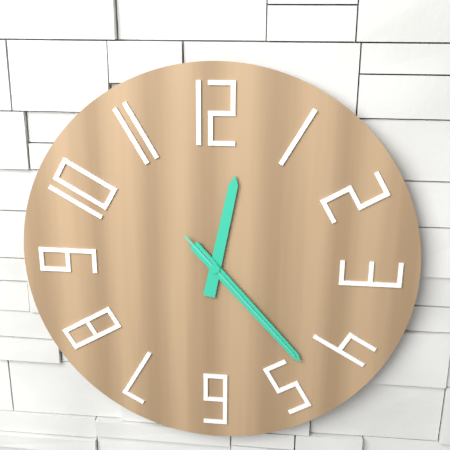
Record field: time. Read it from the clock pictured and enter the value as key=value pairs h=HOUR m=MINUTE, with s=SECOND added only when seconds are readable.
h=12 m=23 s=23
